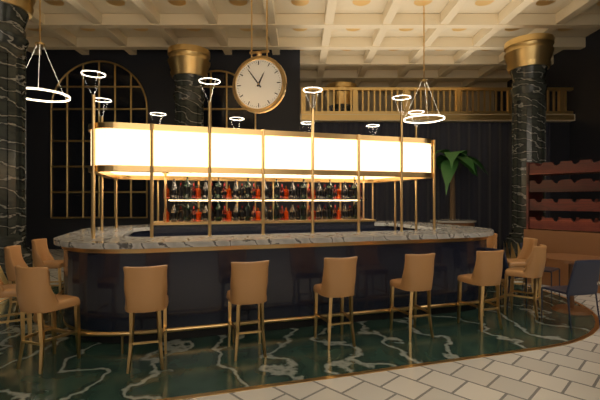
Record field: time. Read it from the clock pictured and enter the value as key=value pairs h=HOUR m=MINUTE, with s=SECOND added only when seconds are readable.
h=12 m=54
